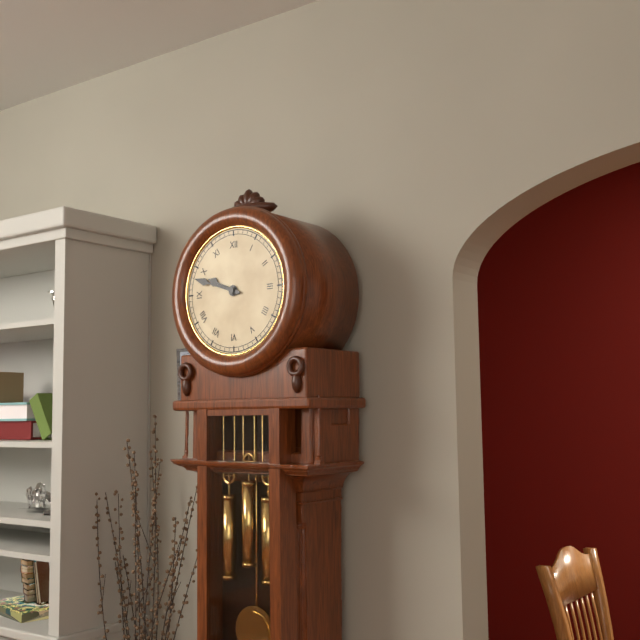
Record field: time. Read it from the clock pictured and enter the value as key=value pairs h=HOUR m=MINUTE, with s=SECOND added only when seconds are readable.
h=9 m=48
